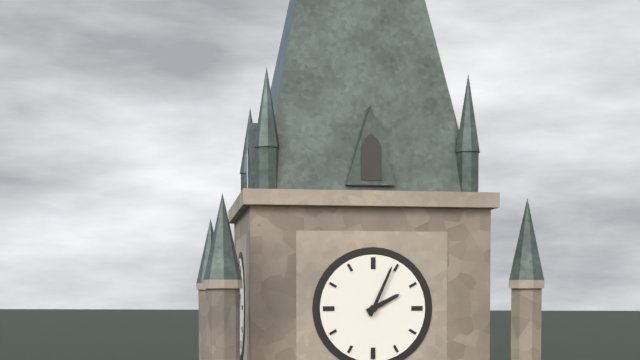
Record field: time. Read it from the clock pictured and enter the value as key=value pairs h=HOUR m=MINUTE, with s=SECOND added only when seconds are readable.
h=2 m=4
